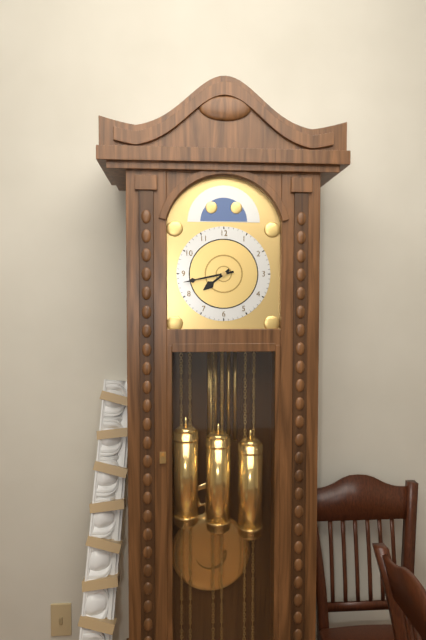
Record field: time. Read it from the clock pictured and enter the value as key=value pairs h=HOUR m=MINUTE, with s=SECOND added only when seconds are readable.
h=7 m=43
